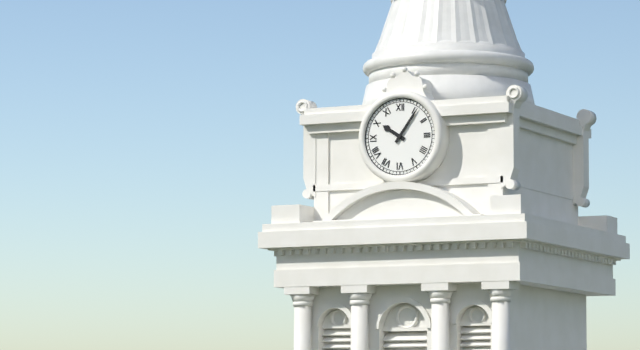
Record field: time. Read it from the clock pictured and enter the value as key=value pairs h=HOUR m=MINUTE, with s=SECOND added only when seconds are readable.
h=10 m=6
